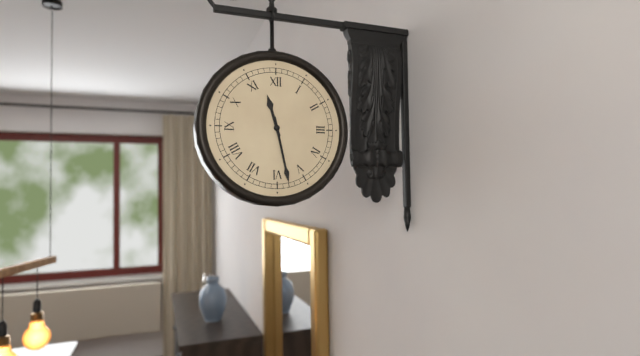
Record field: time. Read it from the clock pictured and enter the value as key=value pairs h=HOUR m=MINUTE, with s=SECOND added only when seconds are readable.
h=11 m=28
